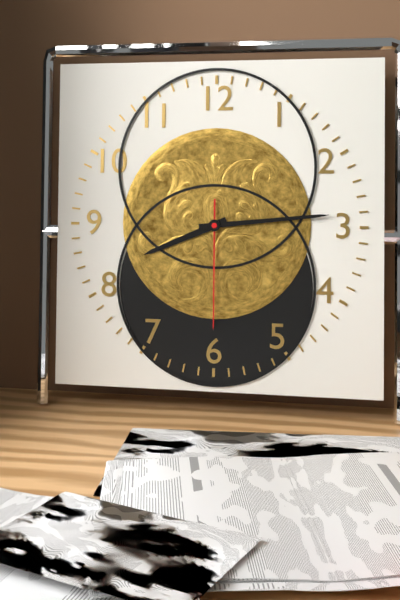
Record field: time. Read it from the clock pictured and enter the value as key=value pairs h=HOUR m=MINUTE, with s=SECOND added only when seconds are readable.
h=8 m=14 s=30
